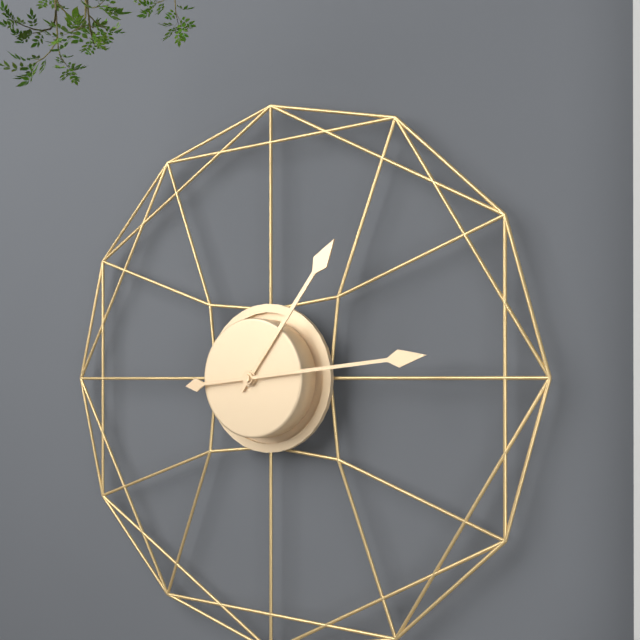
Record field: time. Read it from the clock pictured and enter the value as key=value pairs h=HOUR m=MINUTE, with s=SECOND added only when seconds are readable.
h=1 m=14
